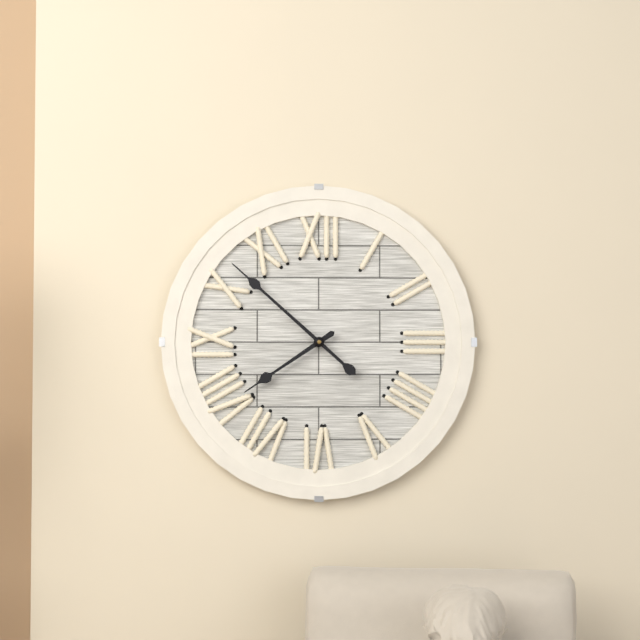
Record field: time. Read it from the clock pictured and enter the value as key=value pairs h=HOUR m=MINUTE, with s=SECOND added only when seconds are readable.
h=7 m=52
